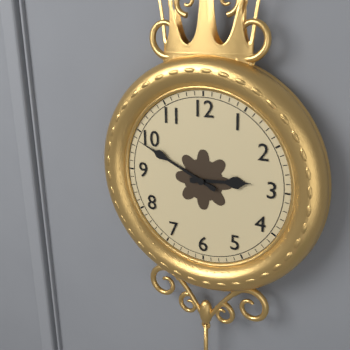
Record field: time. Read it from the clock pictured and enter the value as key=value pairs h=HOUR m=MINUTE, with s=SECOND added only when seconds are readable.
h=2 m=49
